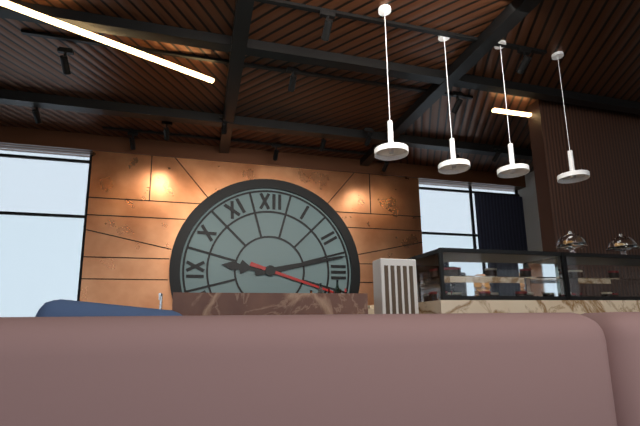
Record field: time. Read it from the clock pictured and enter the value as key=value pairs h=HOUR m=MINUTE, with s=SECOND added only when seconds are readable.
h=9 m=13 s=18
